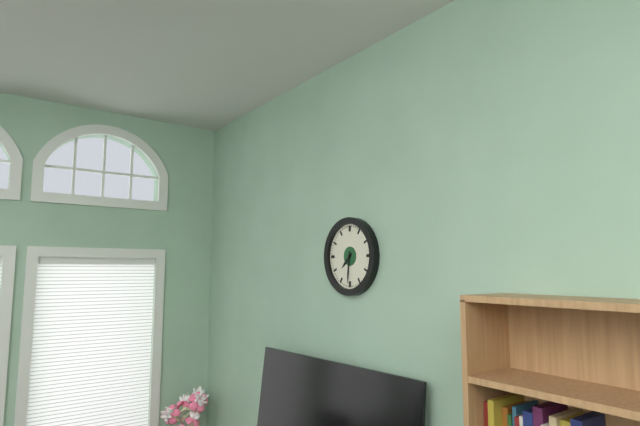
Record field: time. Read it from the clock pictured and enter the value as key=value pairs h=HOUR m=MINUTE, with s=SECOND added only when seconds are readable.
h=7 m=31
